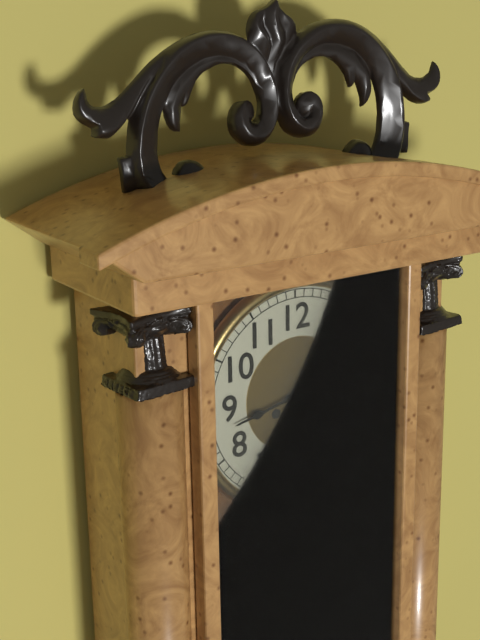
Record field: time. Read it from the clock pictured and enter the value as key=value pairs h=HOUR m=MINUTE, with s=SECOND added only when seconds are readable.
h=2 m=43
